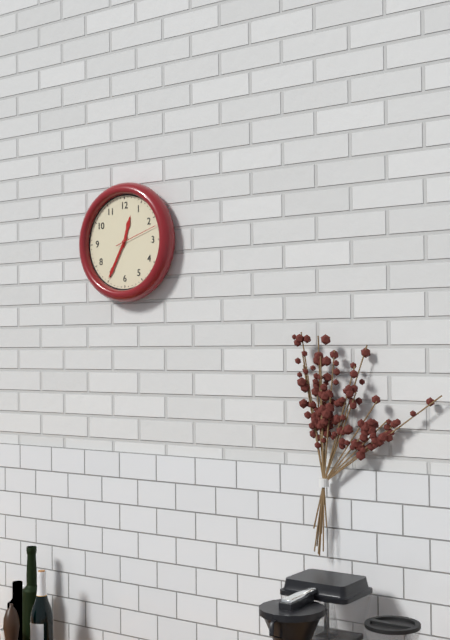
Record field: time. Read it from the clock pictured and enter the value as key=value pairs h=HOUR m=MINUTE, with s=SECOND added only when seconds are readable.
h=12 m=35
